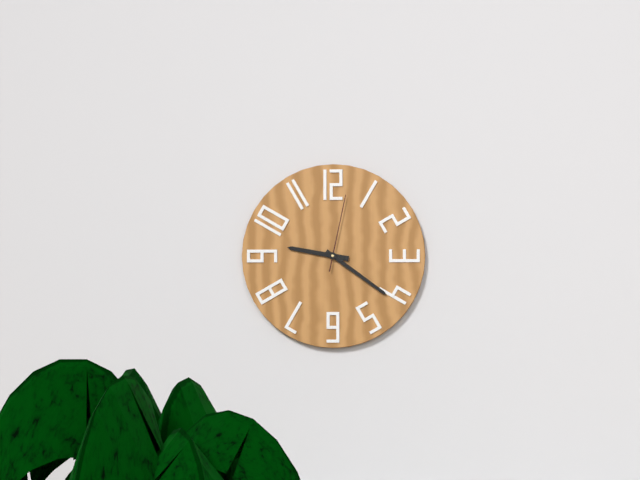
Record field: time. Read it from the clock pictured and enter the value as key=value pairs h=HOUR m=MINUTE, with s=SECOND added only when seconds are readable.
h=9 m=21 s=2
